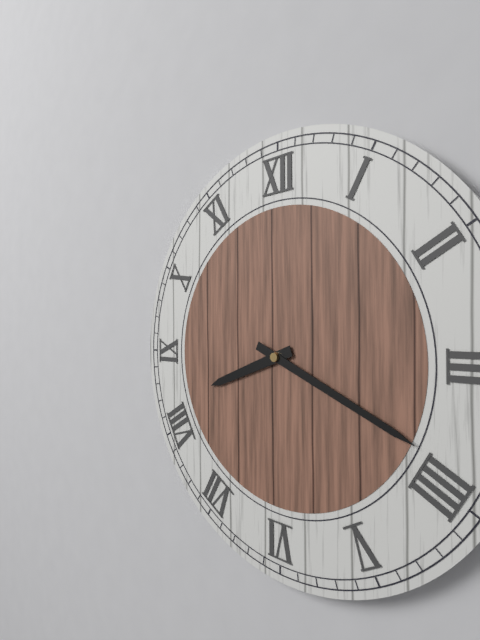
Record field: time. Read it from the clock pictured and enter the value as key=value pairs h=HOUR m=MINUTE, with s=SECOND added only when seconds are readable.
h=8 m=19
